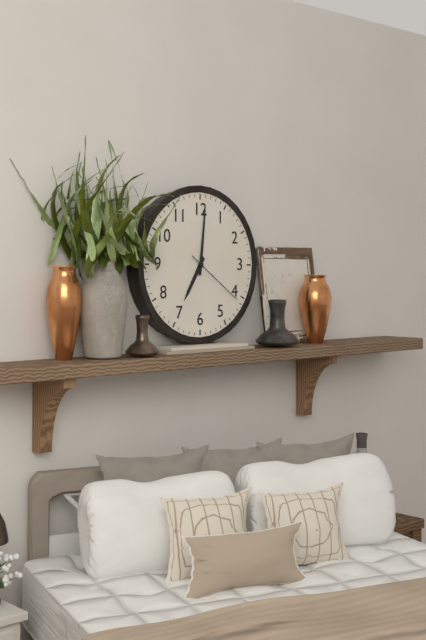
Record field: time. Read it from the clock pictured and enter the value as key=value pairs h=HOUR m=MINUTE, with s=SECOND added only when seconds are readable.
h=7 m=1 s=21
